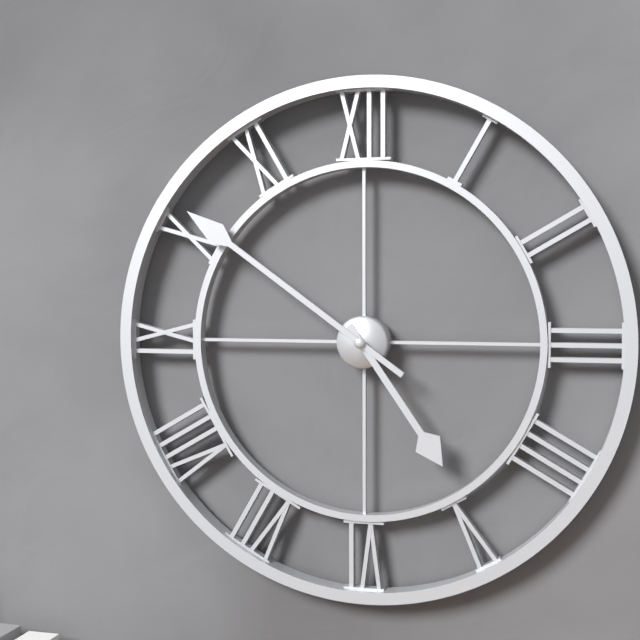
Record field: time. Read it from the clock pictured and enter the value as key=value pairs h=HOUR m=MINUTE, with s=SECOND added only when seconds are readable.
h=4 m=51
